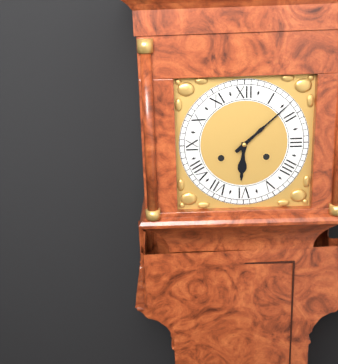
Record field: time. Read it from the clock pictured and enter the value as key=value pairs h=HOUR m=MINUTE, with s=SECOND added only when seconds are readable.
h=6 m=8
